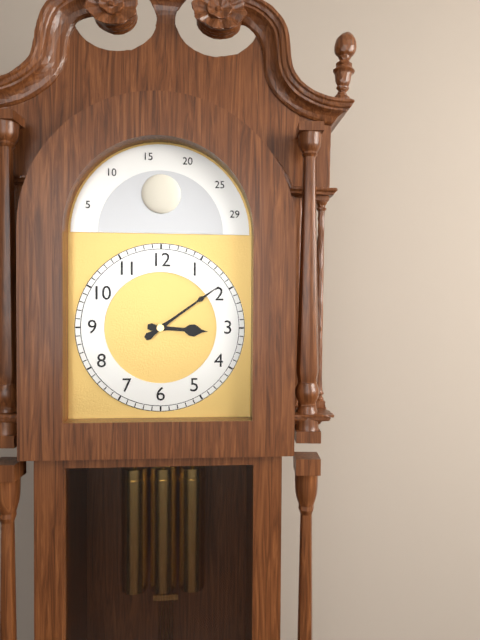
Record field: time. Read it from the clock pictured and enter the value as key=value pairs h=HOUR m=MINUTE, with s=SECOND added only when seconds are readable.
h=3 m=9
